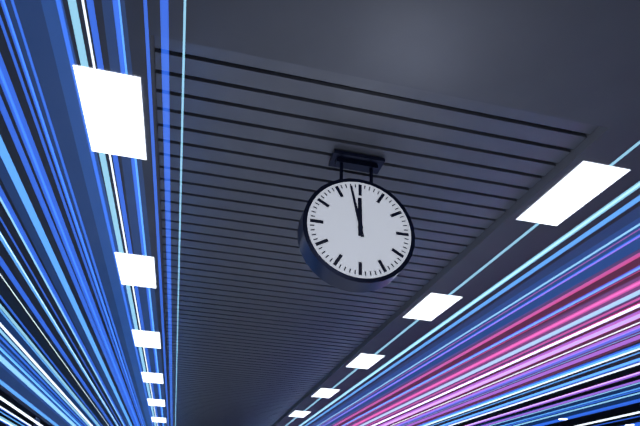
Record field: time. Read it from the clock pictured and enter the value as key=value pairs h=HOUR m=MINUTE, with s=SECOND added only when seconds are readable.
h=11 m=58
